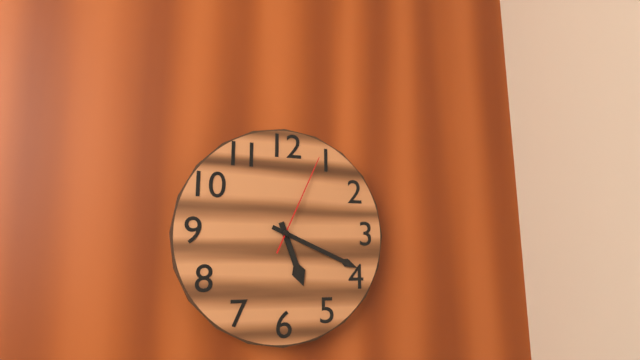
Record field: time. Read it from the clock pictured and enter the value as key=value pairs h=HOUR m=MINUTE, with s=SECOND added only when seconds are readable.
h=5 m=19 s=4
